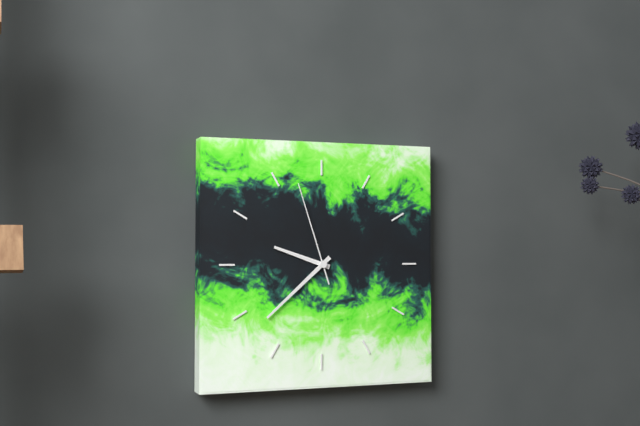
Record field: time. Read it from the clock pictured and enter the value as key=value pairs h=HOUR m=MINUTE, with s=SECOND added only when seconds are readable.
h=9 m=38 s=57
